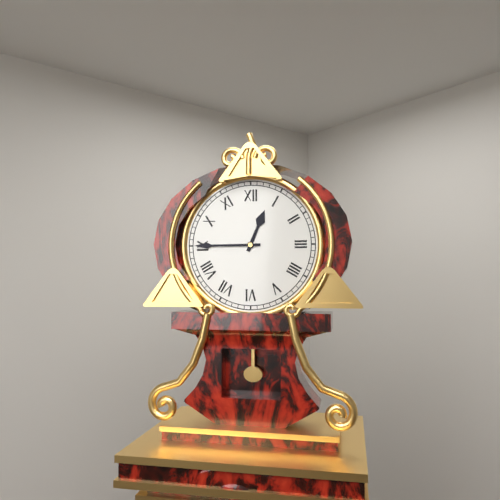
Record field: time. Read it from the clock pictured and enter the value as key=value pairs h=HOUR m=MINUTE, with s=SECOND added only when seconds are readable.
h=12 m=45
